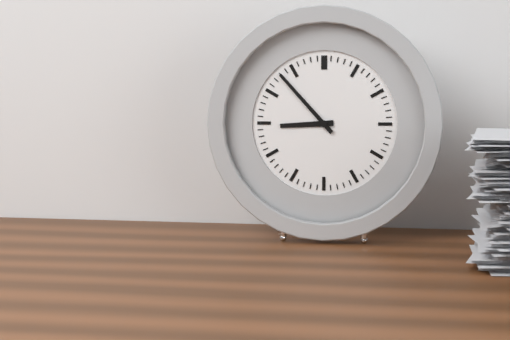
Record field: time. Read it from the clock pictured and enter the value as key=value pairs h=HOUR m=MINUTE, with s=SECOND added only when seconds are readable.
h=8 m=53
